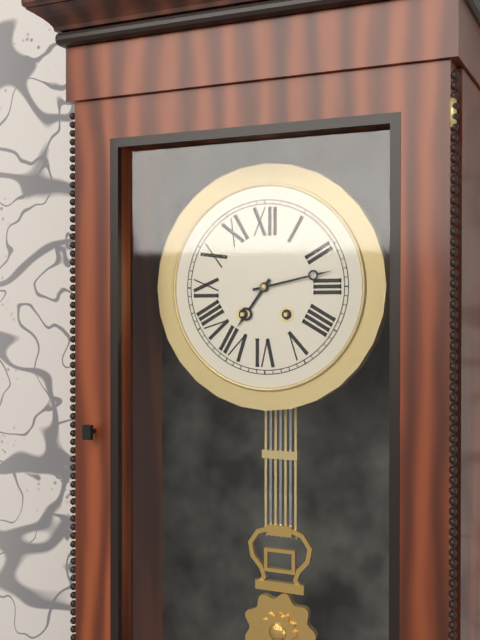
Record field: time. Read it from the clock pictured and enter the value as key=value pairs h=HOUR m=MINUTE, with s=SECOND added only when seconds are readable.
h=7 m=13
